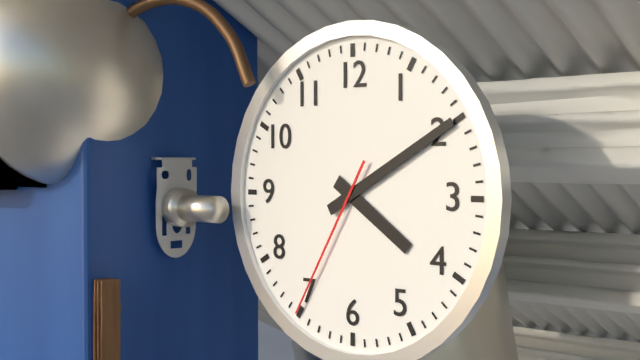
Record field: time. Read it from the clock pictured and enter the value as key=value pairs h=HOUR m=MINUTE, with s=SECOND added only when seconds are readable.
h=4 m=10 s=35
